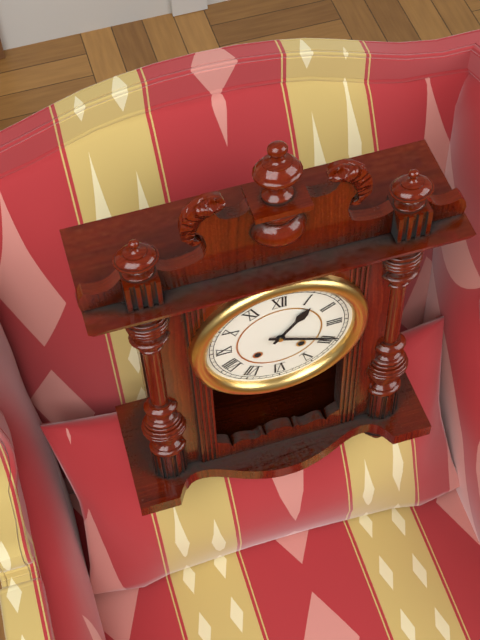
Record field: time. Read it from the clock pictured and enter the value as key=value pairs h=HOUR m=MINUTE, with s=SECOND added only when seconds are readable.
h=1 m=19
